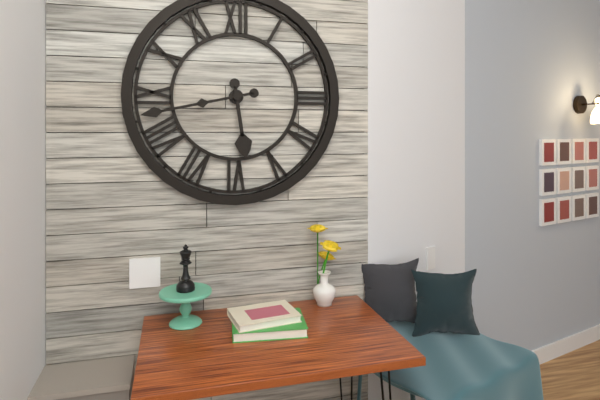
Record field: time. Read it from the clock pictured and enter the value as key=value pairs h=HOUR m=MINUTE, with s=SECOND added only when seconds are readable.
h=5 m=43
